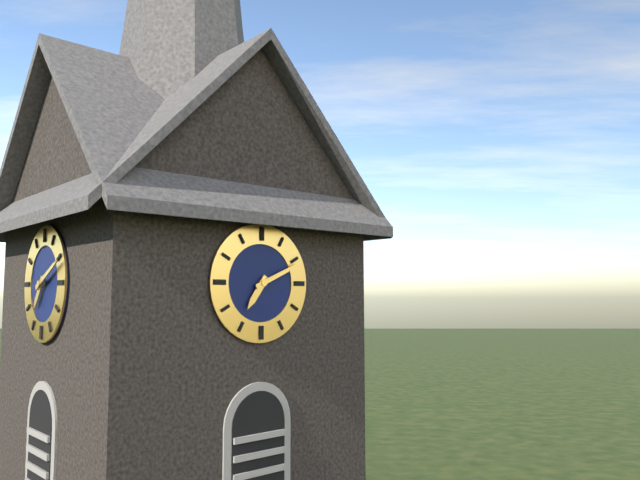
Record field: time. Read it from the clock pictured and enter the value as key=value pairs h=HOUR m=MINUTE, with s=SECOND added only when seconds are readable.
h=7 m=11
